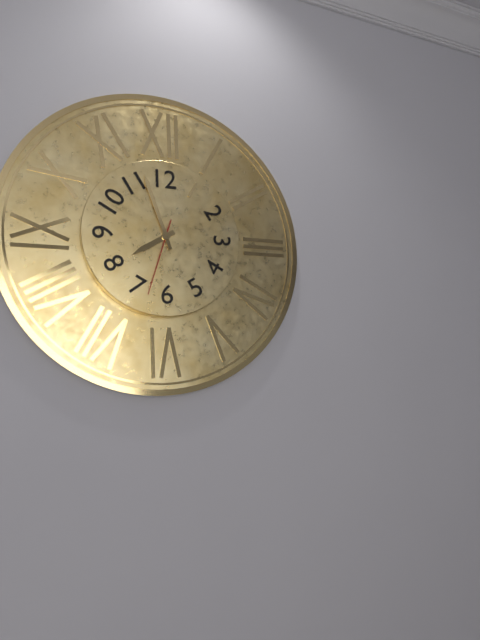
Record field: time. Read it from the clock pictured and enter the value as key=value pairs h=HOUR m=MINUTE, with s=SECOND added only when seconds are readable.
h=7 m=57 s=33
